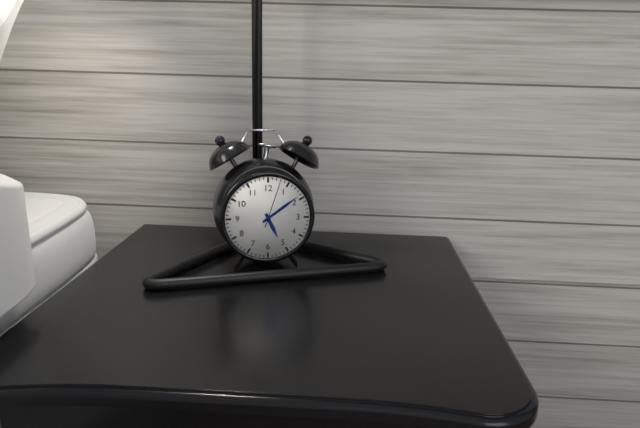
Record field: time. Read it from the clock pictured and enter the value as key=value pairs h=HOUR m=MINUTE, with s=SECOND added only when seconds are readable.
h=5 m=9
